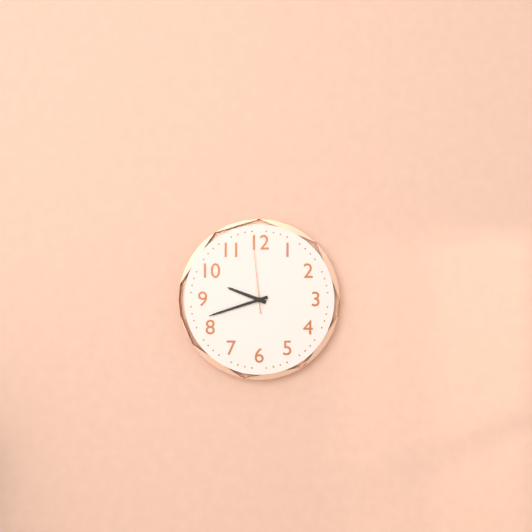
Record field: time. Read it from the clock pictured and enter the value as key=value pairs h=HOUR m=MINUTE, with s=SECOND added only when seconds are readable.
h=9 m=42 s=59
